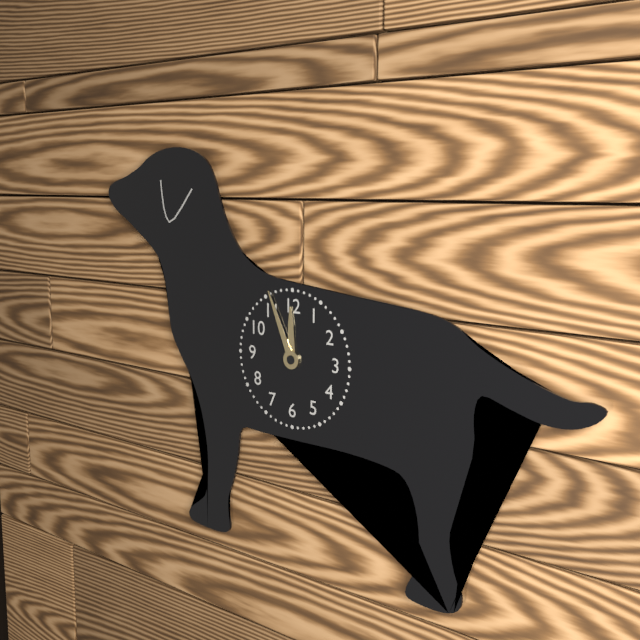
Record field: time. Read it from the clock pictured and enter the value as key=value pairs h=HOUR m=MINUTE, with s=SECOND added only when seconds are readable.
h=11 m=56
